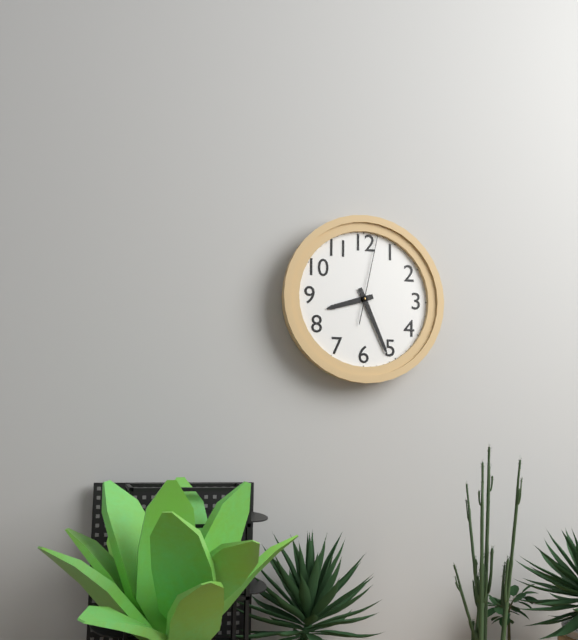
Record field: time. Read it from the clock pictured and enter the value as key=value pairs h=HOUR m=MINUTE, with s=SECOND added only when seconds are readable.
h=8 m=26 s=2
